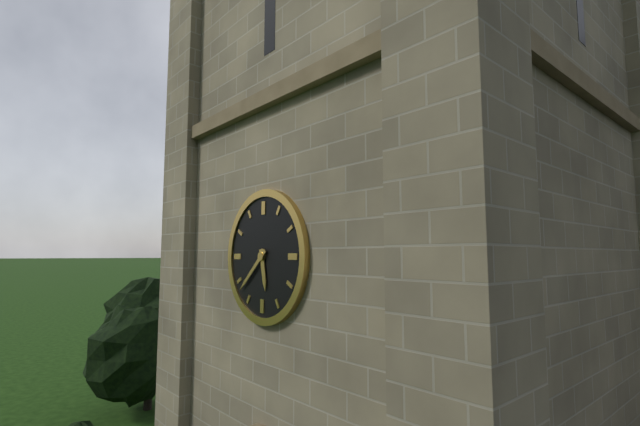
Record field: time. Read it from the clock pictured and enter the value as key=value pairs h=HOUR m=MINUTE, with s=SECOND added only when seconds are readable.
h=5 m=38
